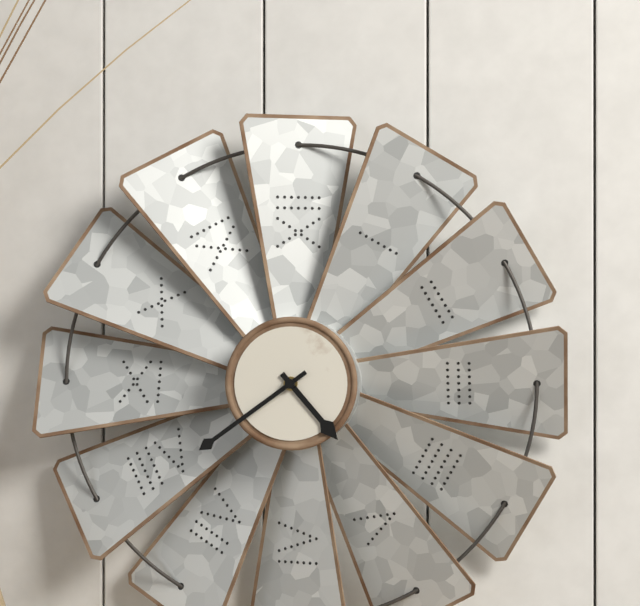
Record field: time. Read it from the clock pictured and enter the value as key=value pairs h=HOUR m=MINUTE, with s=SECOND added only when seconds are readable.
h=4 m=39
